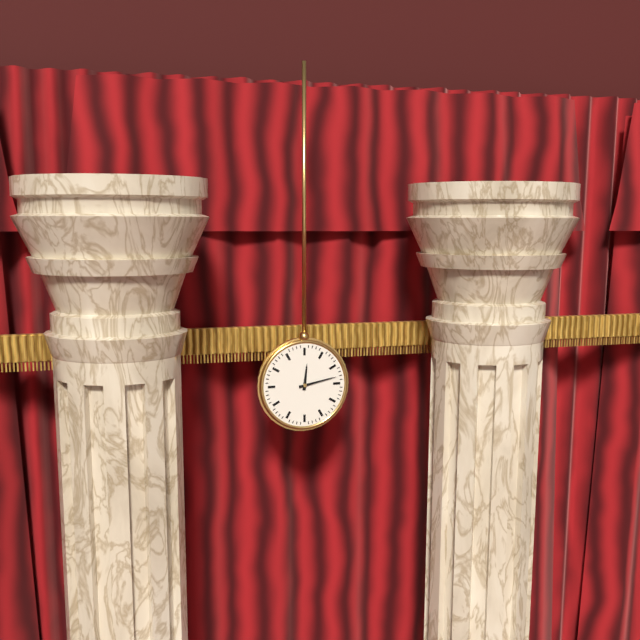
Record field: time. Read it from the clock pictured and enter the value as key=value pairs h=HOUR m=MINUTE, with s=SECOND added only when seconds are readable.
h=12 m=13
